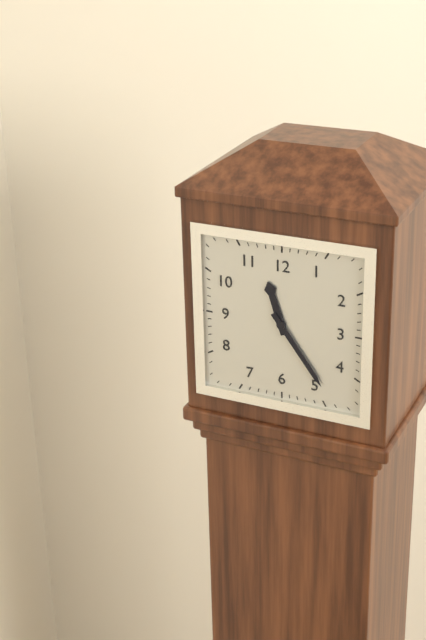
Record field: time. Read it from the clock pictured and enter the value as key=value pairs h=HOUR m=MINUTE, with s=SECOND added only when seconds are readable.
h=11 m=24
